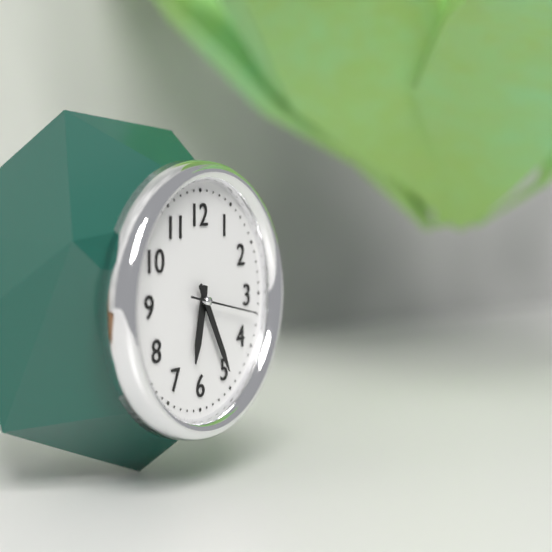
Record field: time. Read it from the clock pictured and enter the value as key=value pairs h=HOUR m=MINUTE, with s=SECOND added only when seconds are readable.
h=6 m=25 s=17
